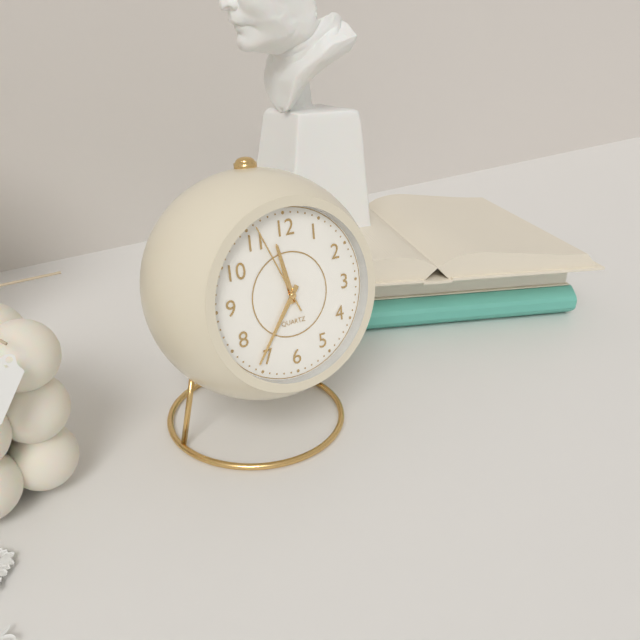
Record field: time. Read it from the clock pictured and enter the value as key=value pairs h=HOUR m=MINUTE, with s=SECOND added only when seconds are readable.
h=11 m=36 s=56
